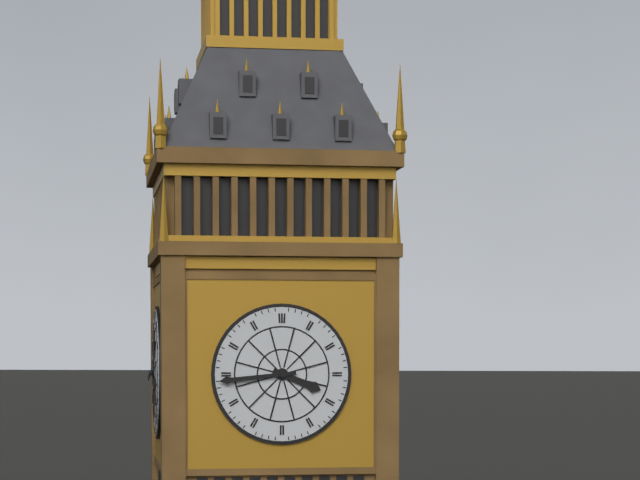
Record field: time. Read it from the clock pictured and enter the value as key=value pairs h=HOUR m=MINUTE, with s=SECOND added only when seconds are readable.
h=3 m=44
